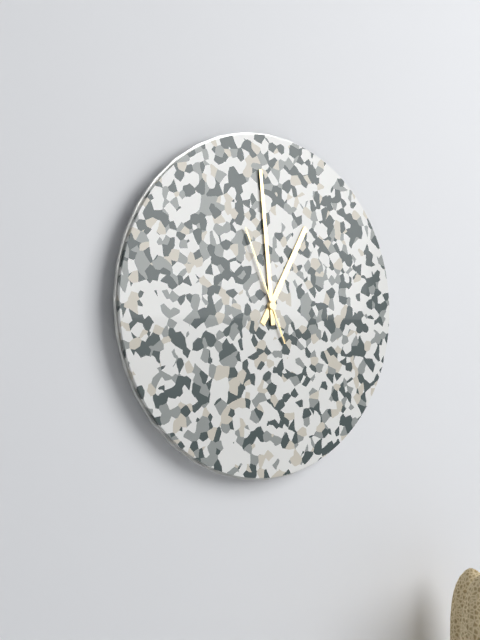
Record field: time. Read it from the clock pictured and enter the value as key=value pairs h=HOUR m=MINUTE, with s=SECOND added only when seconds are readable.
h=12 m=59 s=56
